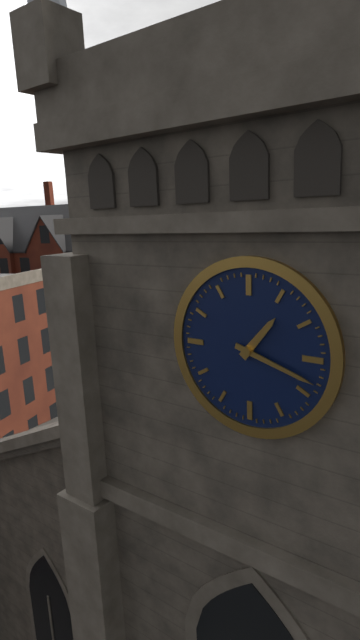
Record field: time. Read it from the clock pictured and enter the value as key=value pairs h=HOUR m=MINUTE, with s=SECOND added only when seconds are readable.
h=1 m=18
